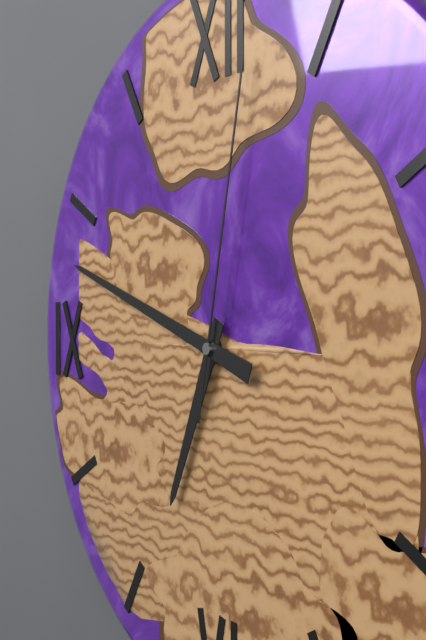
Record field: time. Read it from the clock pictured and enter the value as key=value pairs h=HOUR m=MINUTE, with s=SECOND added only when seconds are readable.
h=6 m=48 s=2
